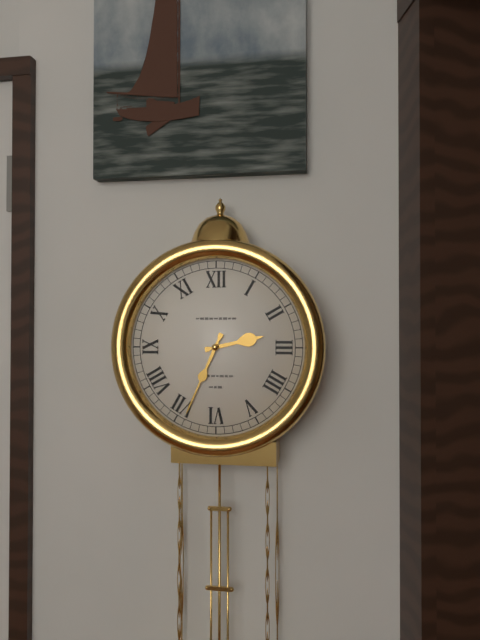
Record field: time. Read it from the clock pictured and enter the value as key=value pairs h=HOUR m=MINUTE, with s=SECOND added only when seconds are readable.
h=2 m=34
